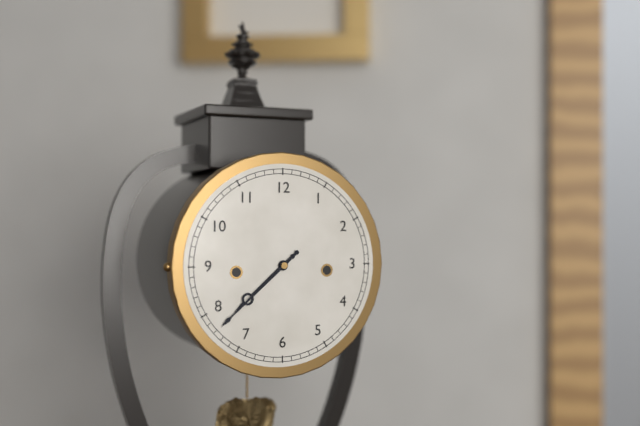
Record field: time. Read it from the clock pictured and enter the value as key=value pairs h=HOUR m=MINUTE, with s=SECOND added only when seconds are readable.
h=7 m=38
